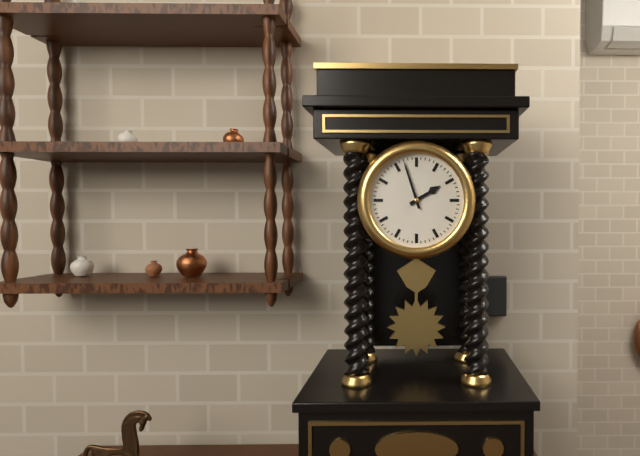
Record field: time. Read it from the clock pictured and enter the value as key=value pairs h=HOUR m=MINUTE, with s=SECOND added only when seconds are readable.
h=1 m=57
